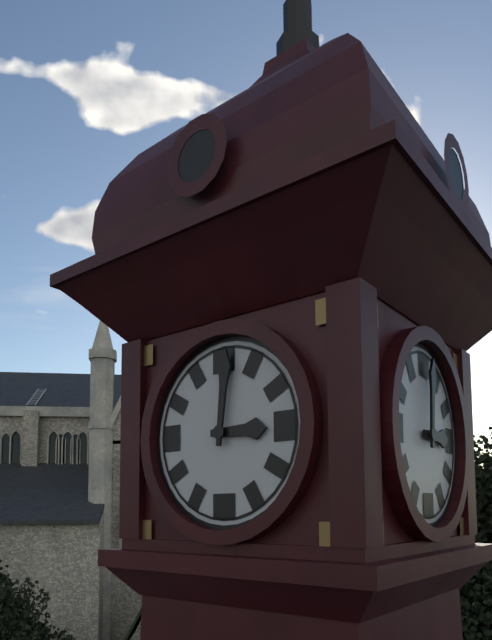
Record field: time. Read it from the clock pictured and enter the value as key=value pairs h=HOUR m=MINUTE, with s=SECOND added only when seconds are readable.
h=3 m=1
